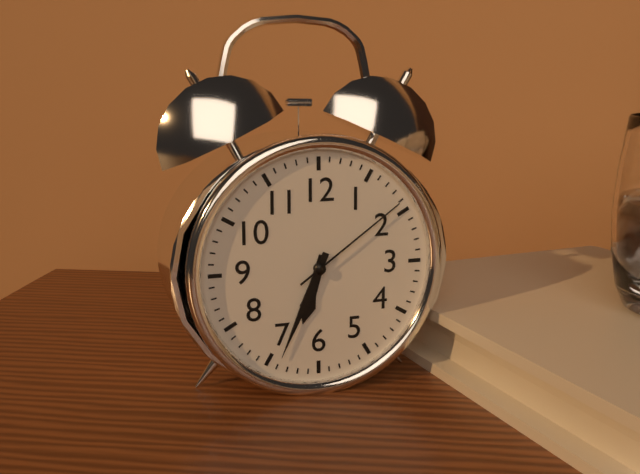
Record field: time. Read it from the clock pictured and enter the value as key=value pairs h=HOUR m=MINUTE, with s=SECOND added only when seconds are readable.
h=6 m=34 s=9
